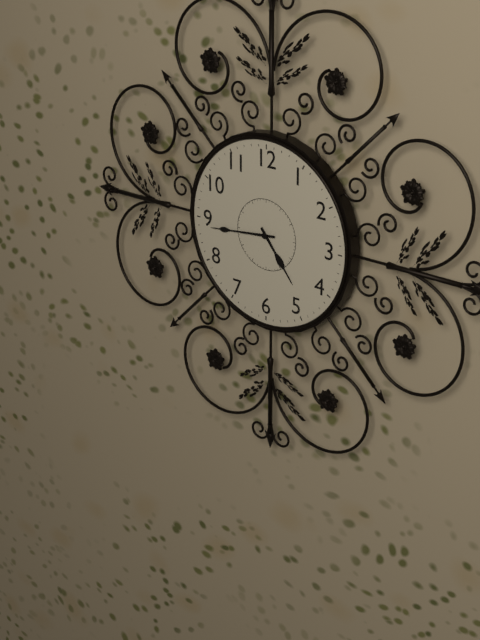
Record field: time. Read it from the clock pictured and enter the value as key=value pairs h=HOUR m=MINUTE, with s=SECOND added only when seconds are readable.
h=4 m=44
